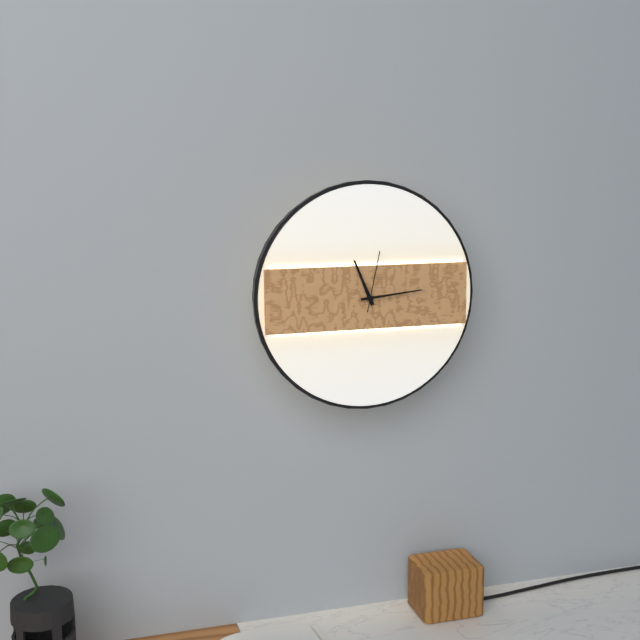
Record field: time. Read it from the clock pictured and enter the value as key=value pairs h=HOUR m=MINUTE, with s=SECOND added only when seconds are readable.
h=11 m=14 s=2
